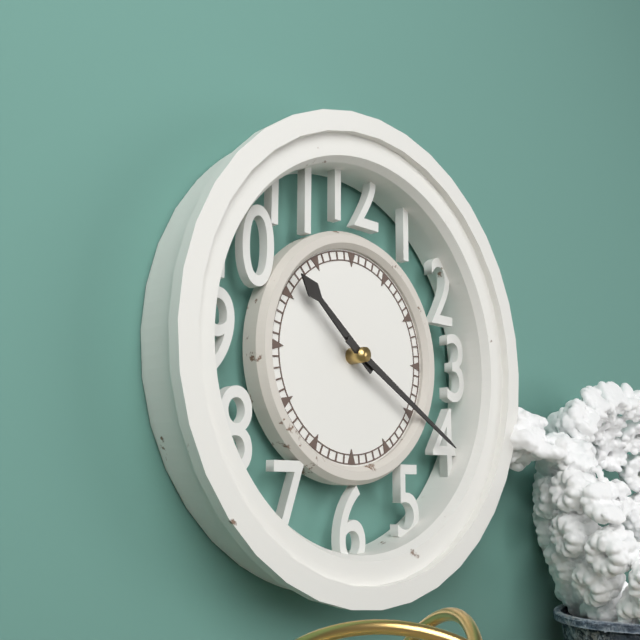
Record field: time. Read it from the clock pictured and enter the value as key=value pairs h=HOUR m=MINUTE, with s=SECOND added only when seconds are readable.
h=10 m=20
